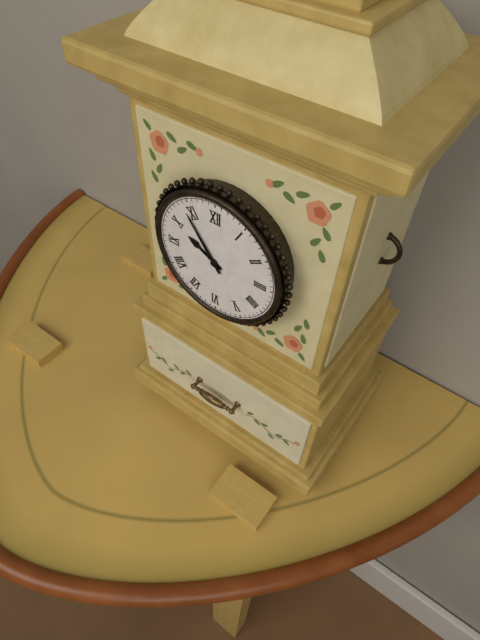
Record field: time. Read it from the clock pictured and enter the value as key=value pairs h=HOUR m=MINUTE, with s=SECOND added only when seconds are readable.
h=9 m=54
